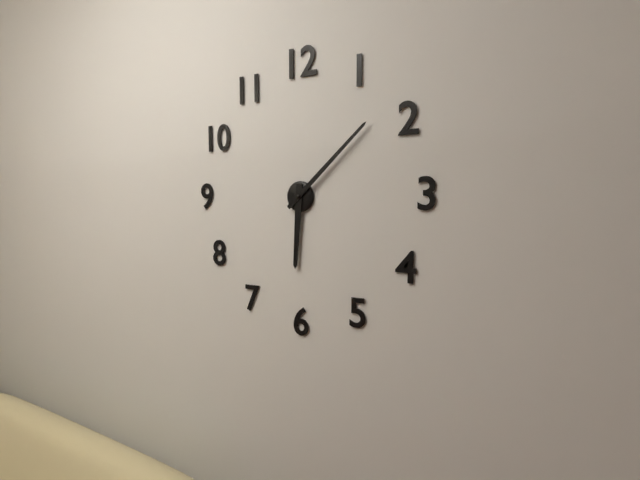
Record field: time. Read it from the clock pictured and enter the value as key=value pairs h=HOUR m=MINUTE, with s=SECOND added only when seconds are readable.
h=6 m=8
